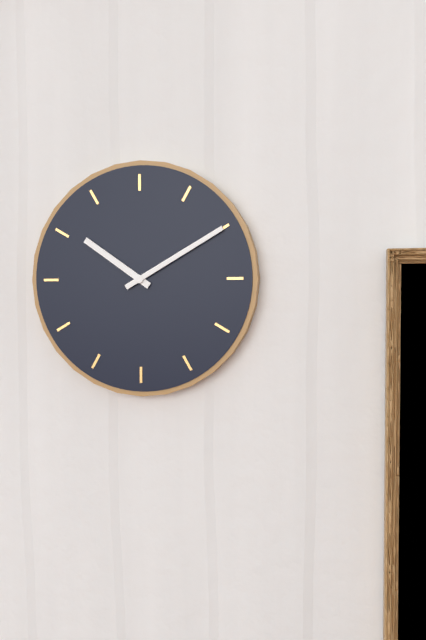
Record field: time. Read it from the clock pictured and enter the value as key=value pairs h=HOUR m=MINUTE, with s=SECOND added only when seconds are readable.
h=10 m=10
